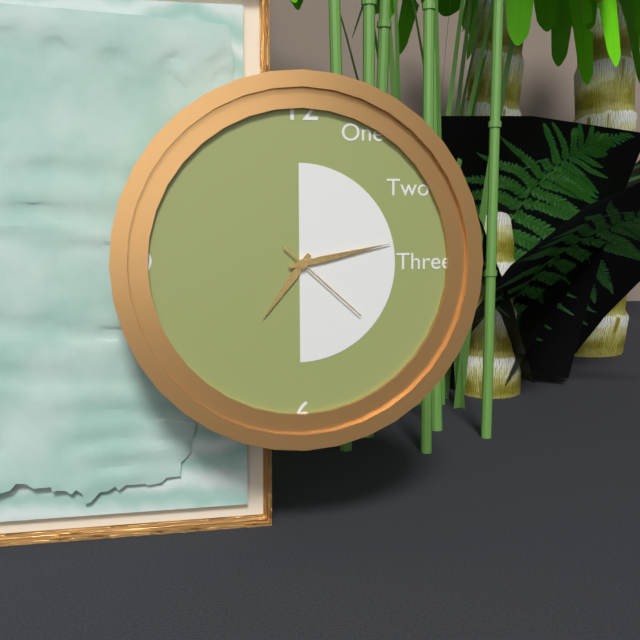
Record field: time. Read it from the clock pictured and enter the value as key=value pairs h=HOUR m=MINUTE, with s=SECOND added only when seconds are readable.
h=7 m=13 s=22
